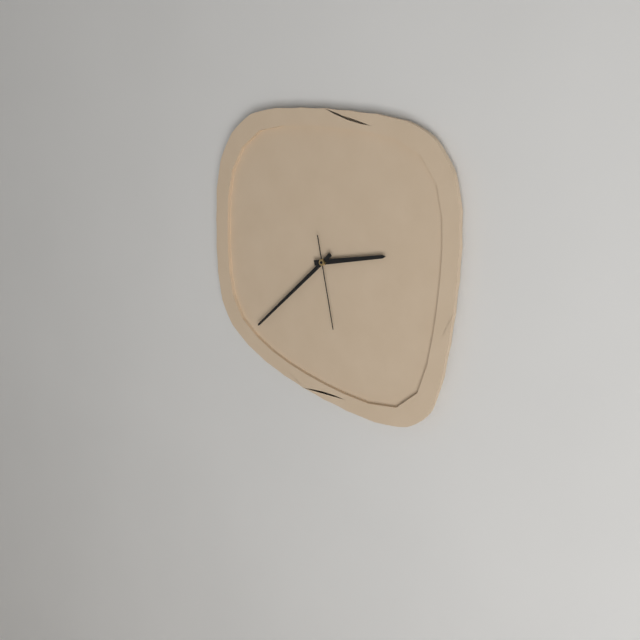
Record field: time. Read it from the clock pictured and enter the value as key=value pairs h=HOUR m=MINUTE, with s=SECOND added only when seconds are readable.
h=2 m=38 s=28
